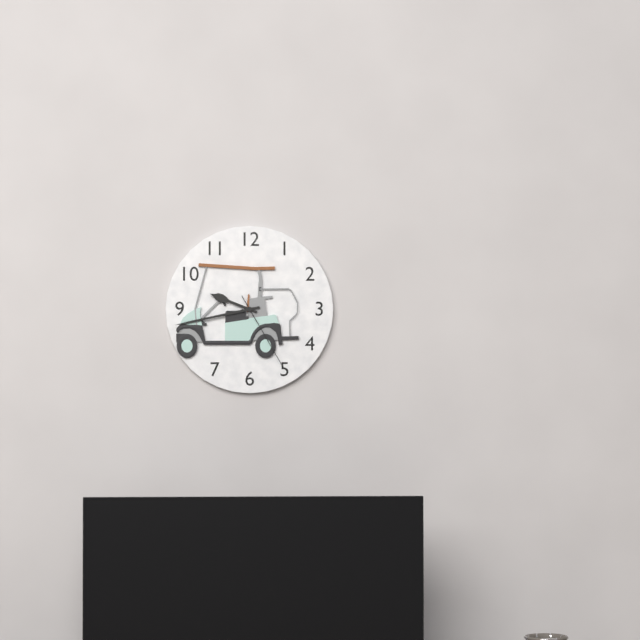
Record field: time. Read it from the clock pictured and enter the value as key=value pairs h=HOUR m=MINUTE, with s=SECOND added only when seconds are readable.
h=9 m=43 s=25
